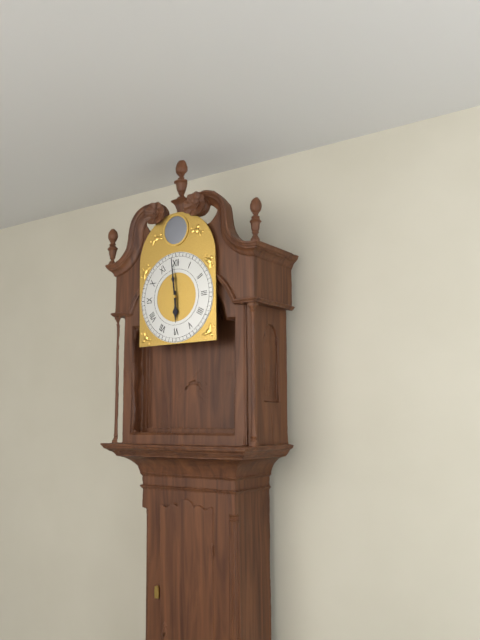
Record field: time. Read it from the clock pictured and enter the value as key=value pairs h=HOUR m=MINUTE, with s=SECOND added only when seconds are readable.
h=5 m=59
